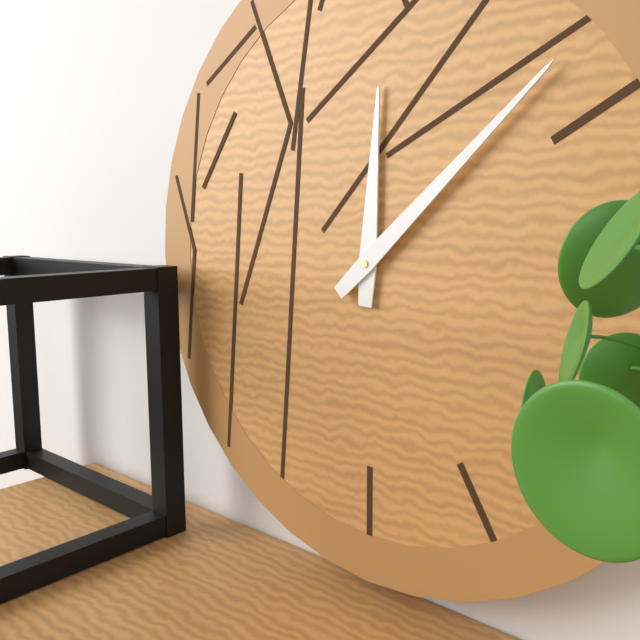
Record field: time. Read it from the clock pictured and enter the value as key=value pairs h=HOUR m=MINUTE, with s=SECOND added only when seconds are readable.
h=12 m=8
